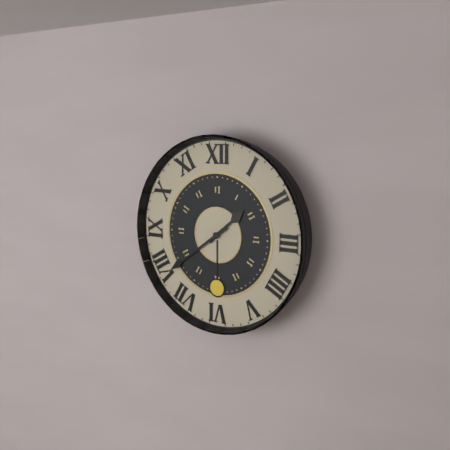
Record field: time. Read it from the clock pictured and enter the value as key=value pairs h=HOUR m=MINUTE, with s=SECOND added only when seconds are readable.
h=1 m=39
